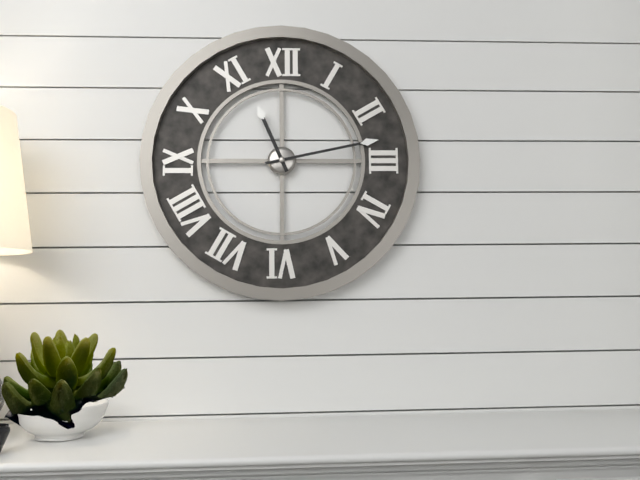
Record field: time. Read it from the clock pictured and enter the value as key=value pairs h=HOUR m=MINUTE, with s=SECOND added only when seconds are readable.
h=11 m=13
